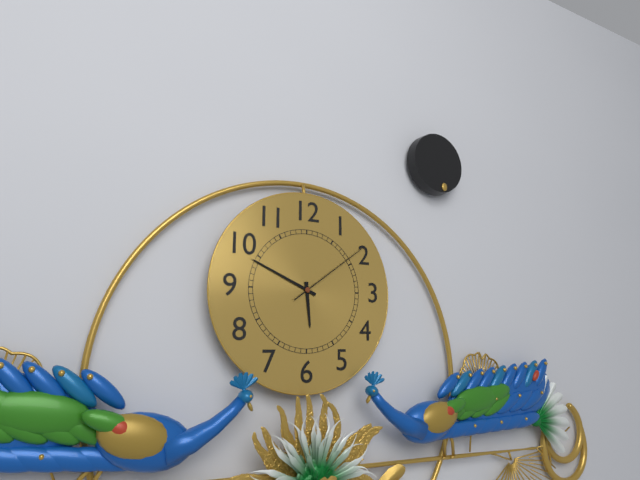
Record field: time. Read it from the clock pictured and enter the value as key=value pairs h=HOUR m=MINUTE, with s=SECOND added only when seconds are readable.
h=5 m=49 s=9
